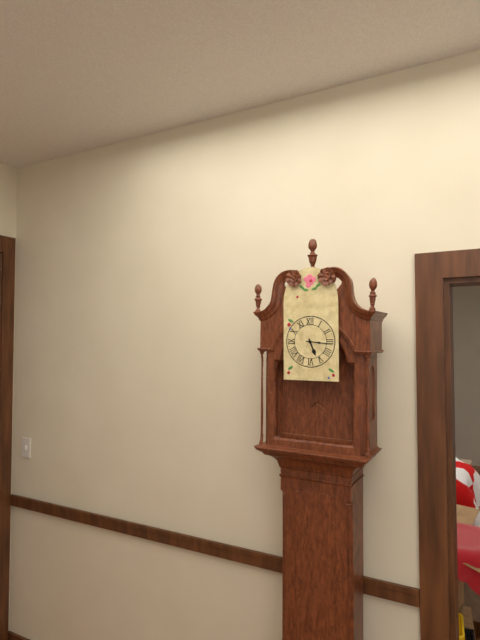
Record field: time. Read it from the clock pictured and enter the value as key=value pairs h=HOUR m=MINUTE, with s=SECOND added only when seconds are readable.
h=5 m=16
